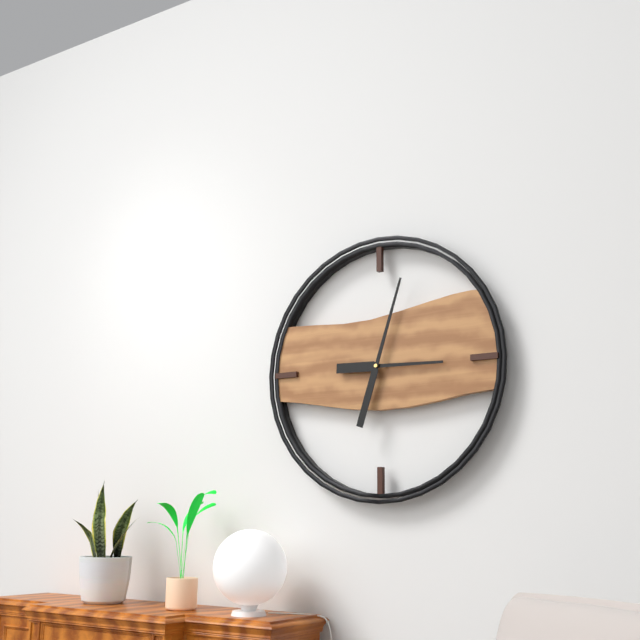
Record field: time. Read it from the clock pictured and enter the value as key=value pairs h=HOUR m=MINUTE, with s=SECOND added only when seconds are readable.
h=3 m=3
